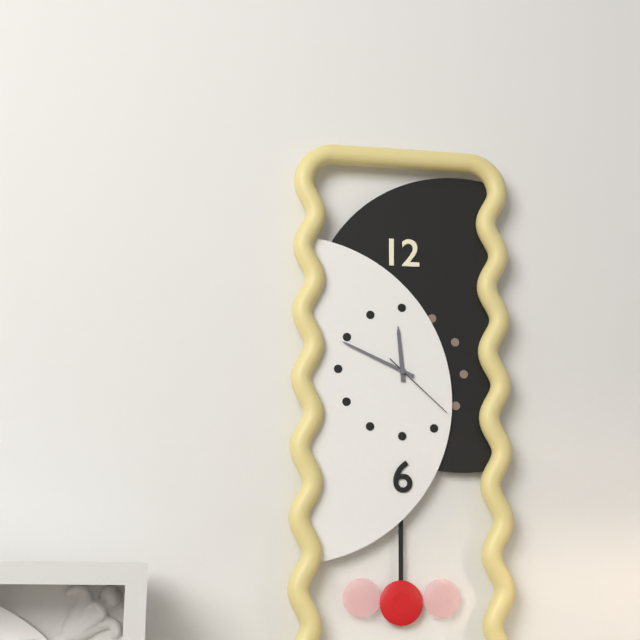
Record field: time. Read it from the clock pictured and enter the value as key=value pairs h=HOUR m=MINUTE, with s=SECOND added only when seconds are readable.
h=11 m=49 s=22
